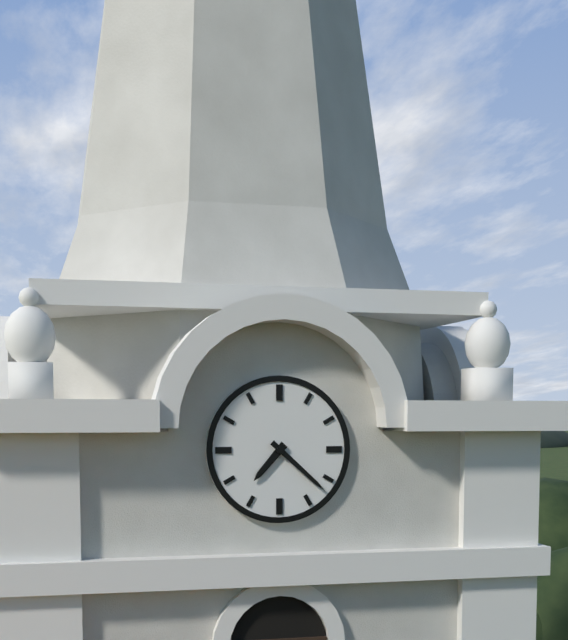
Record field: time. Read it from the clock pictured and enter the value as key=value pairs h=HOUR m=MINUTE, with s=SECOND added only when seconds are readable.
h=7 m=22
